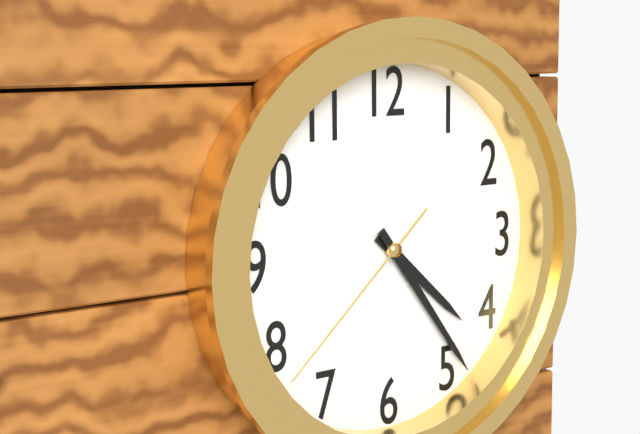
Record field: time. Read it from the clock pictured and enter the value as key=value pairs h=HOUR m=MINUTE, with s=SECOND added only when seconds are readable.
h=4 m=24 s=38
